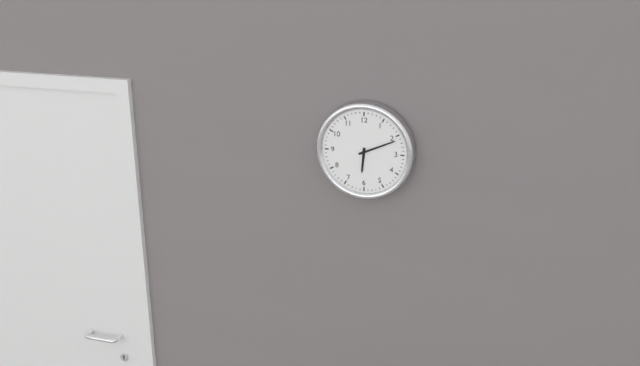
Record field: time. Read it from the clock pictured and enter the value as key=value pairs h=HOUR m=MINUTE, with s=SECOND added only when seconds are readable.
h=6 m=11
